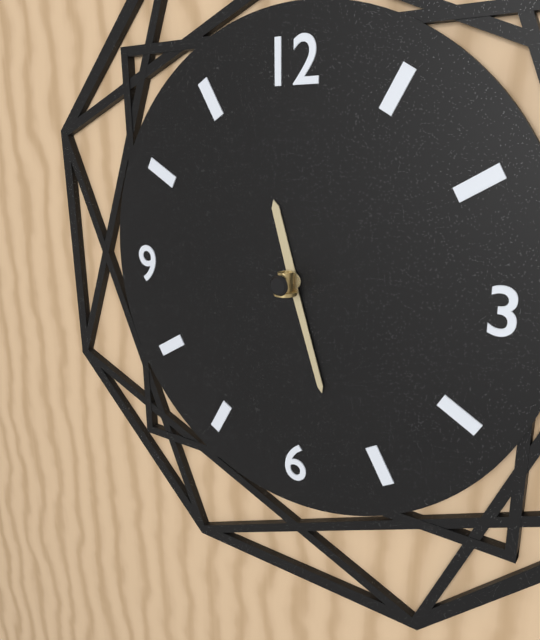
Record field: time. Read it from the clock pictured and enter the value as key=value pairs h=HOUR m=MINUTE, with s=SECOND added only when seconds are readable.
h=11 m=27
